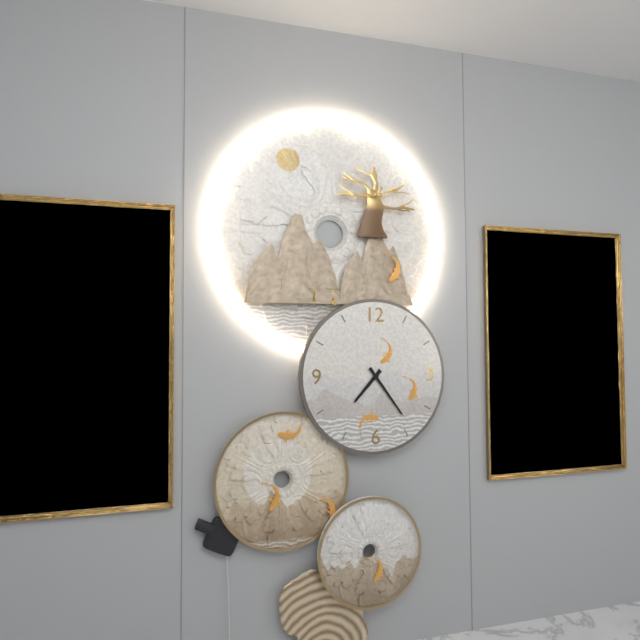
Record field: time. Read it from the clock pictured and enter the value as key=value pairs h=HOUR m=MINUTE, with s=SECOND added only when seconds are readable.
h=7 m=24
